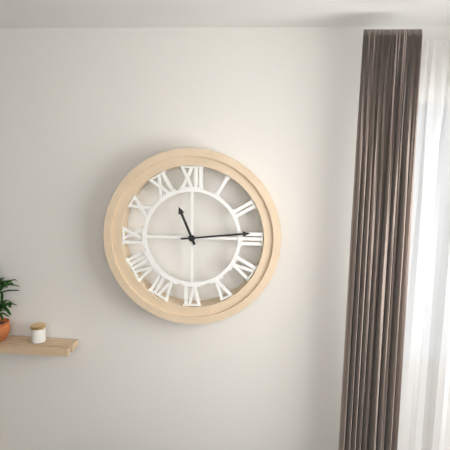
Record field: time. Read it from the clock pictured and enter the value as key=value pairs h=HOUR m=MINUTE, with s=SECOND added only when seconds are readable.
h=11 m=14
